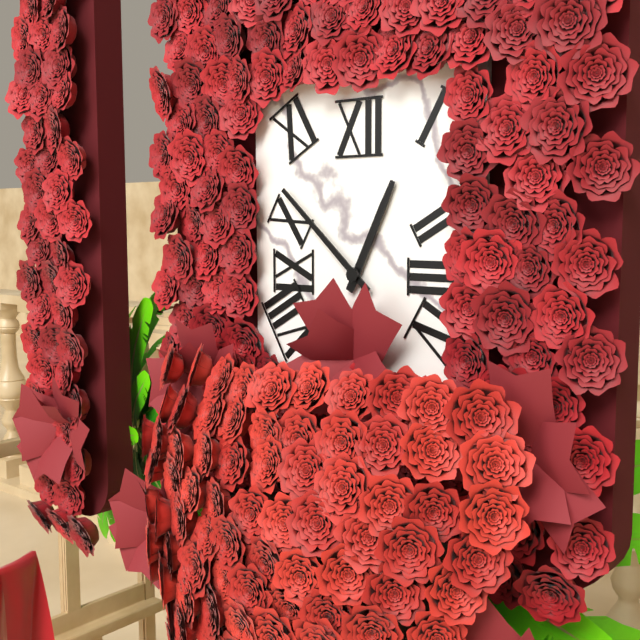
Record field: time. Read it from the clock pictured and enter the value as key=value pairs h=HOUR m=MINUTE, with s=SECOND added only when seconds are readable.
h=12 m=52
